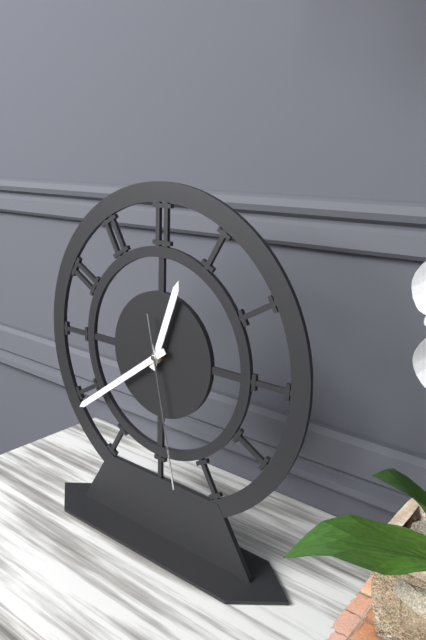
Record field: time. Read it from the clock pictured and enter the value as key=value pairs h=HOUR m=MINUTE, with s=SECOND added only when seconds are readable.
h=12 m=39 s=28
